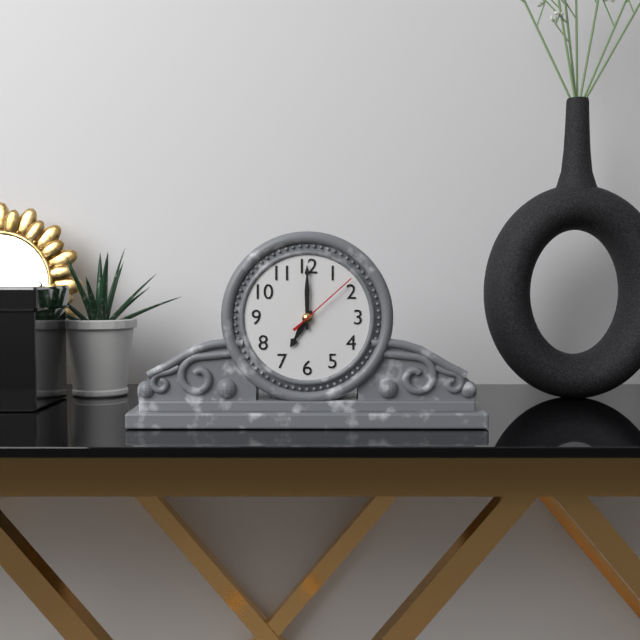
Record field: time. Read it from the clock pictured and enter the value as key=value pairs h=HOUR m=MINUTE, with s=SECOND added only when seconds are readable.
h=7 m=0 s=8
